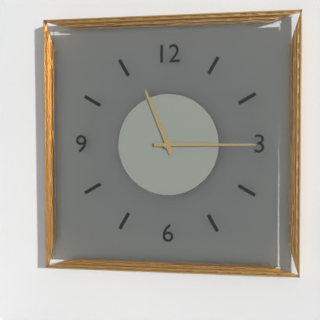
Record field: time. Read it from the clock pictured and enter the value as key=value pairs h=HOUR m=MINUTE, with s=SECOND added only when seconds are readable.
h=11 m=15
